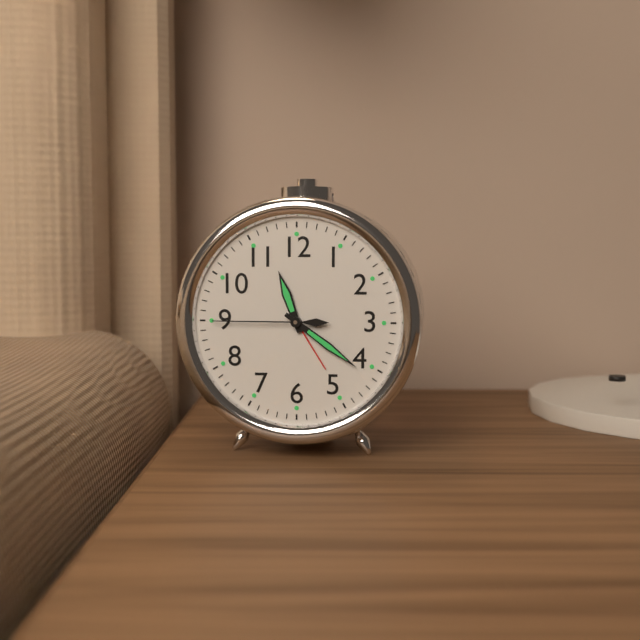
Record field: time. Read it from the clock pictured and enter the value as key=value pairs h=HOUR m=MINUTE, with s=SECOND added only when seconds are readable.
h=11 m=21 s=45
